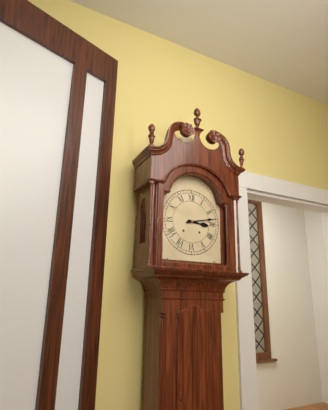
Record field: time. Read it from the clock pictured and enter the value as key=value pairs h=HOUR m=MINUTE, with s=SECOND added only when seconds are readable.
h=3 m=13
